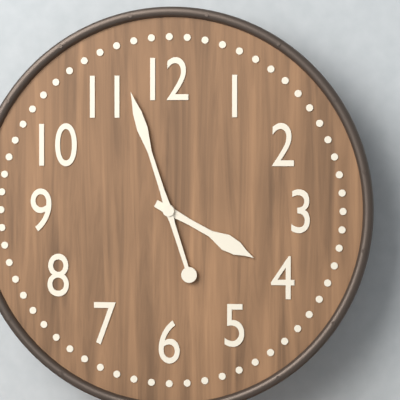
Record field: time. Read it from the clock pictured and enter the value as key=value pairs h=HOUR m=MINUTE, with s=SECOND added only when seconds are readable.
h=3 m=57
